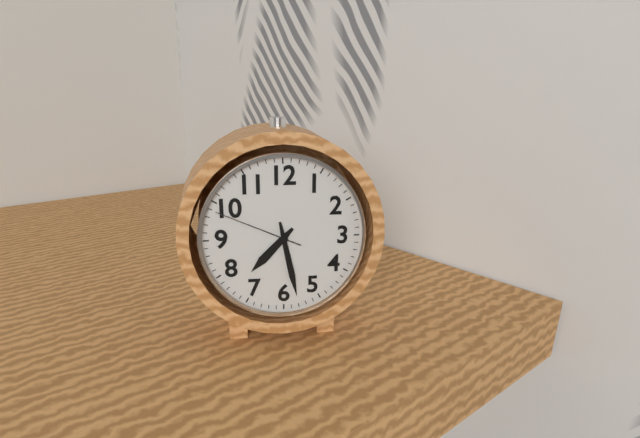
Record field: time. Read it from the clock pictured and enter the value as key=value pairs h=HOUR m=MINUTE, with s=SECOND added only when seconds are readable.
h=7 m=28 s=49
